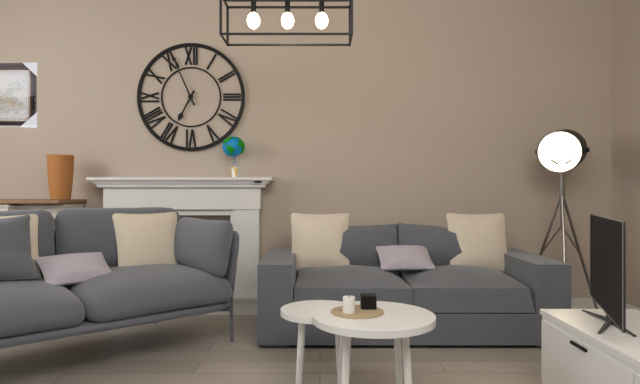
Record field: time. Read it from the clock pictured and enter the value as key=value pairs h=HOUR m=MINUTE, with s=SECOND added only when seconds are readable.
h=6 m=56
